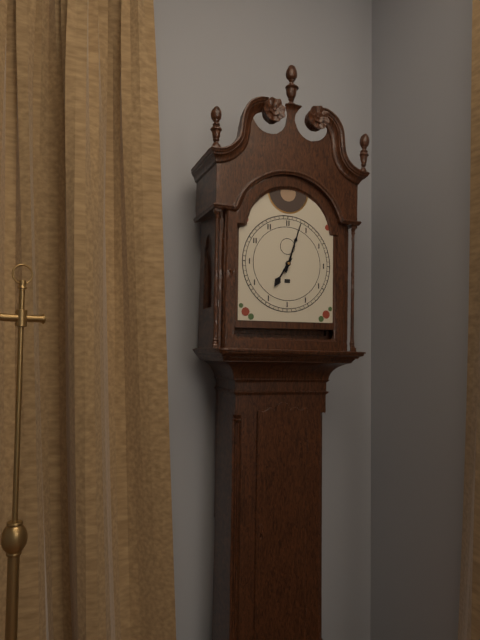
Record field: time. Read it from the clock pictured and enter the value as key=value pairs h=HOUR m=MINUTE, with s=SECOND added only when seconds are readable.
h=7 m=3
